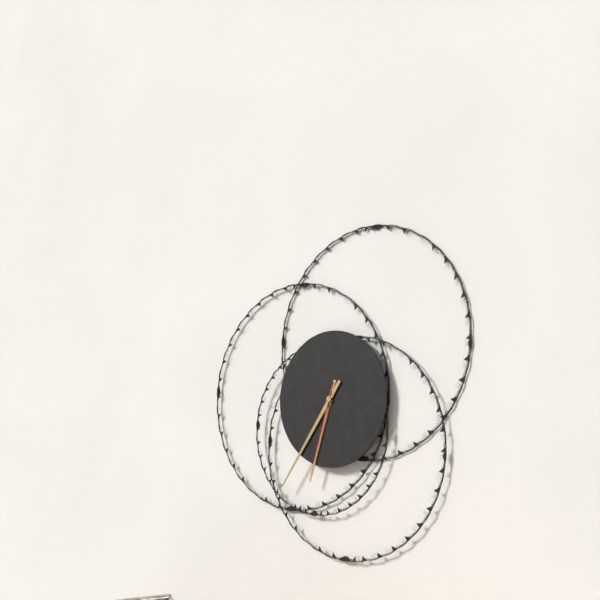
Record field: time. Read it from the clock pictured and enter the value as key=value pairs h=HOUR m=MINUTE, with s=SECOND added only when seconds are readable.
h=6 m=36 s=33
